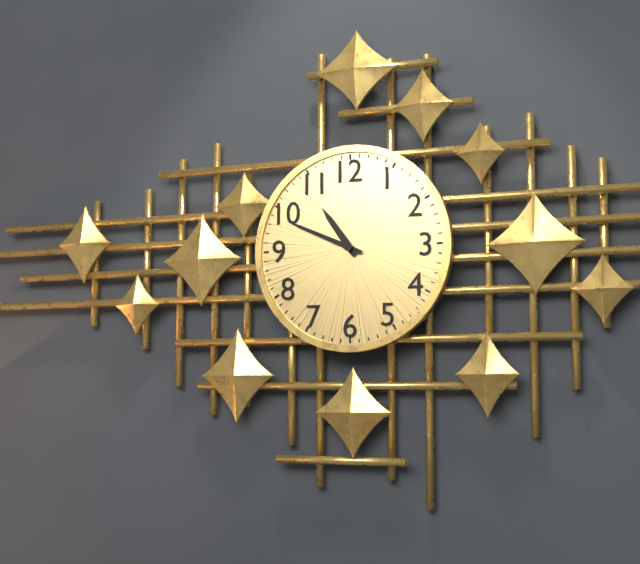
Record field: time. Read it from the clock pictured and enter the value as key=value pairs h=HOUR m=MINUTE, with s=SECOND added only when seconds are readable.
h=10 m=49
